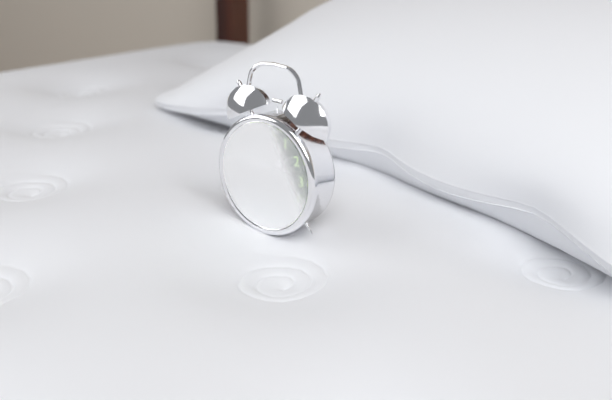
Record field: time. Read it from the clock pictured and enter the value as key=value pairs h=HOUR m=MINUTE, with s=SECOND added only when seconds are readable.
h=4 m=48 s=19
